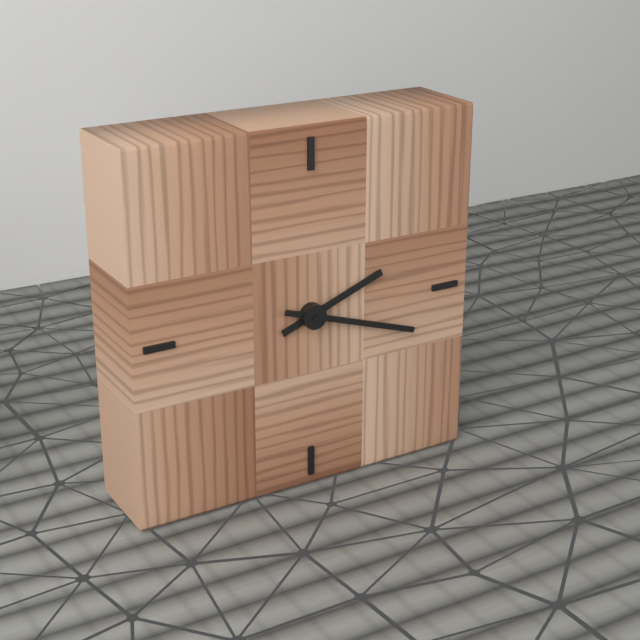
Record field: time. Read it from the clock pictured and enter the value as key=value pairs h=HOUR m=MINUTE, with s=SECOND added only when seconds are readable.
h=2 m=18
